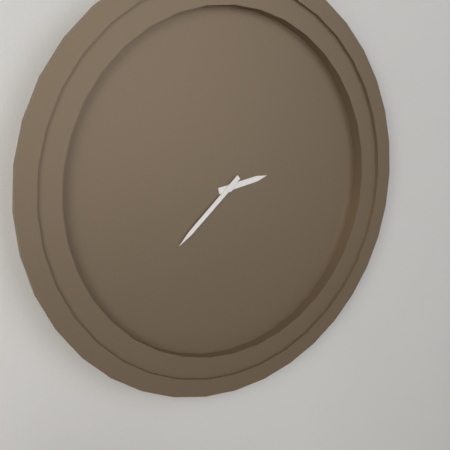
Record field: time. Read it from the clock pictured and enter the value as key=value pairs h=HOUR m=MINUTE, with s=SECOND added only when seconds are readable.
h=2 m=38
